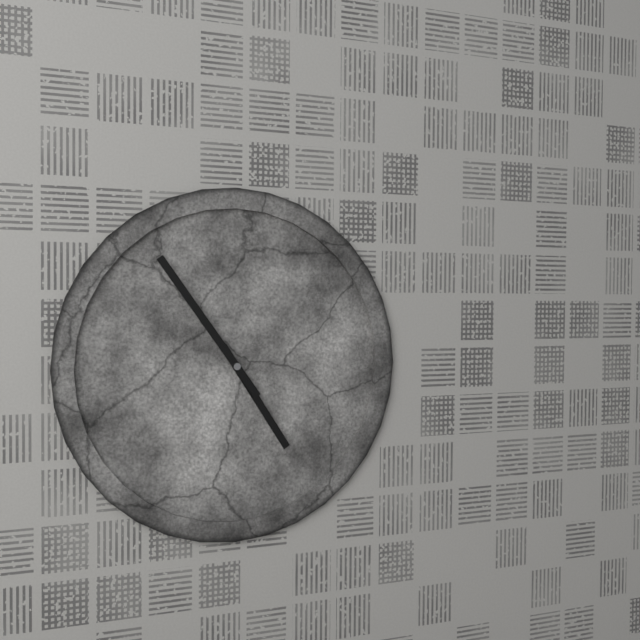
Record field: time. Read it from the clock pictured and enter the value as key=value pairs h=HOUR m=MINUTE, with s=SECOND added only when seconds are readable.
h=4 m=54
